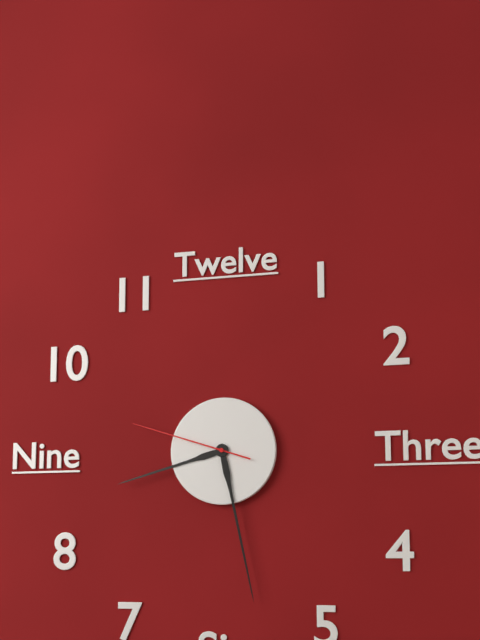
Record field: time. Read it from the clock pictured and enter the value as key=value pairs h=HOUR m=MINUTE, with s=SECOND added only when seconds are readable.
h=8 m=28 s=48
